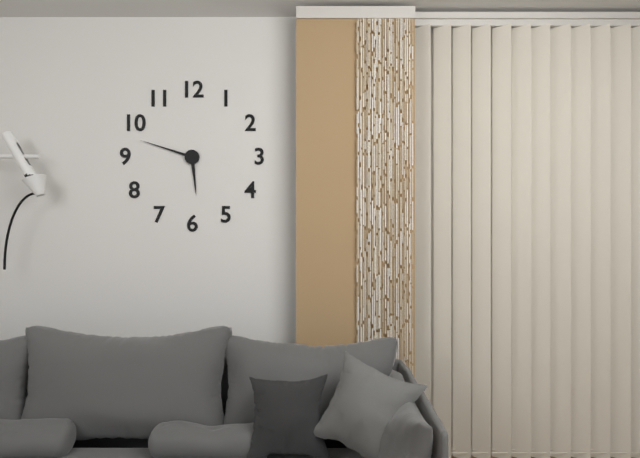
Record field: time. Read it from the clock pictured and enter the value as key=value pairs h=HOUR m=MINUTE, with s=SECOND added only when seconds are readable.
h=5 m=48
